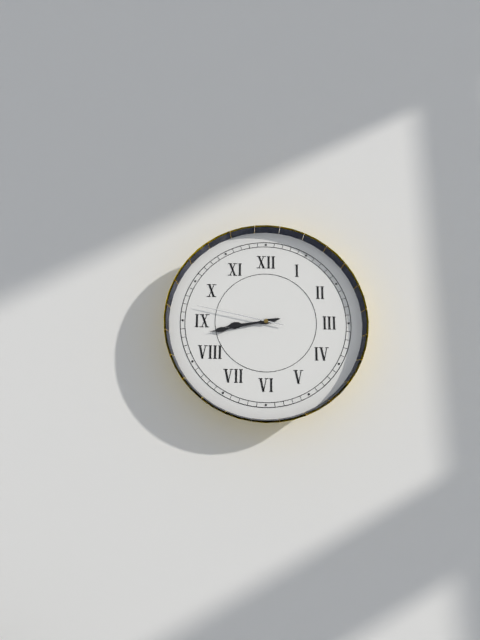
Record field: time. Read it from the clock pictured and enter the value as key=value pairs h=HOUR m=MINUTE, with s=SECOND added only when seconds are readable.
h=8 m=43 s=47
